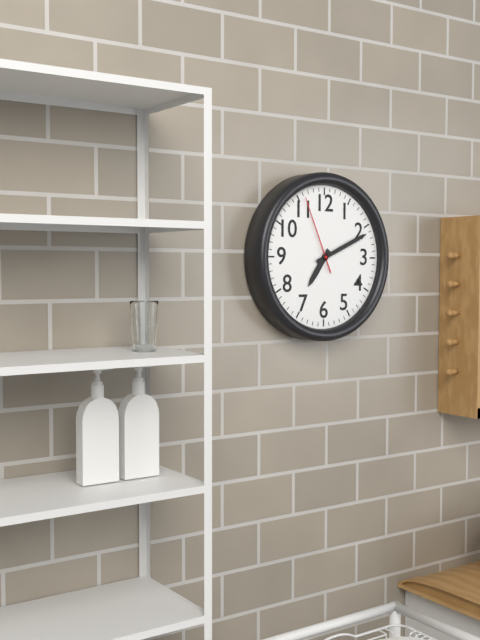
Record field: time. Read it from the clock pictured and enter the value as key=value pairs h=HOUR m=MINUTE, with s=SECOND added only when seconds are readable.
h=7 m=11 s=56
